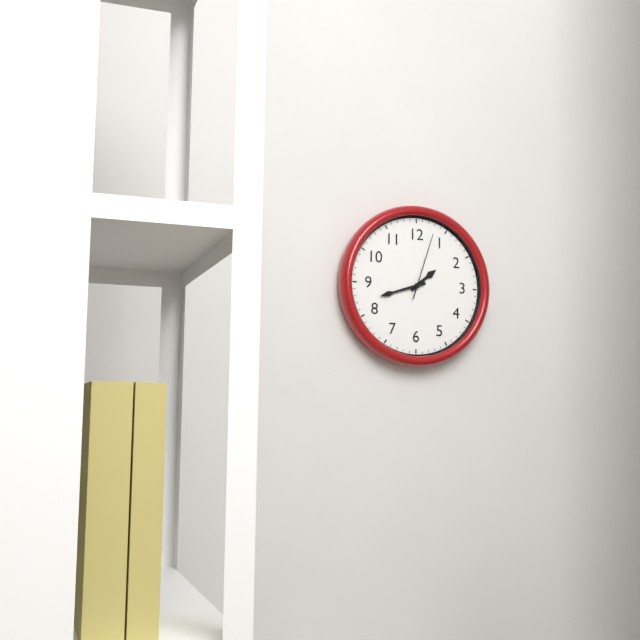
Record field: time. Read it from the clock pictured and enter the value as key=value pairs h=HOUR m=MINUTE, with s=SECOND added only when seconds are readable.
h=1 m=42 s=3
